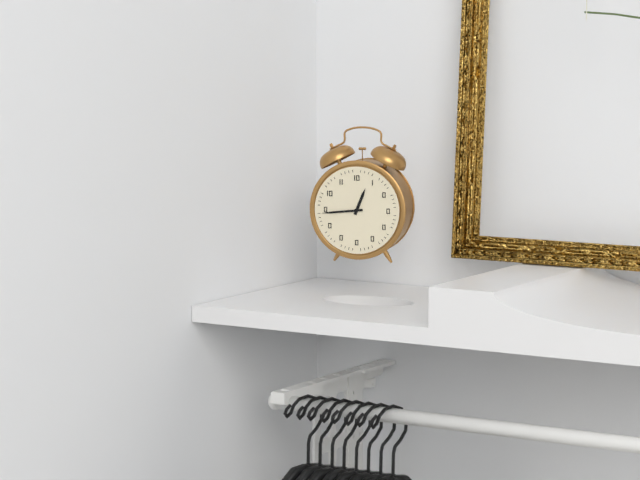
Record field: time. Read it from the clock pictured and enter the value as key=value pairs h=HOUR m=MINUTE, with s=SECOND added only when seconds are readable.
h=12 m=44
